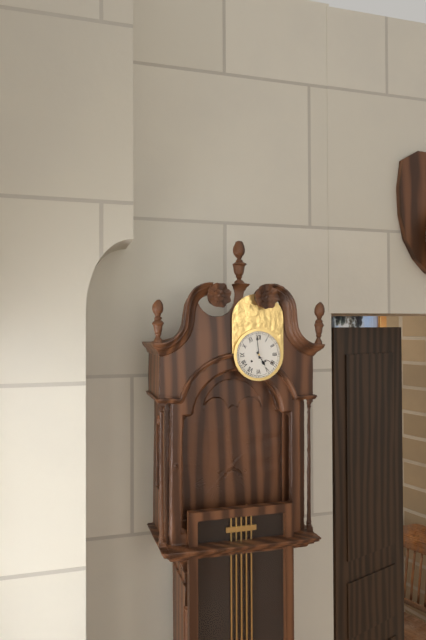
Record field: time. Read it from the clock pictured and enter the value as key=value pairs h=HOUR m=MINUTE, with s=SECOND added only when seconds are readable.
h=4 m=59
